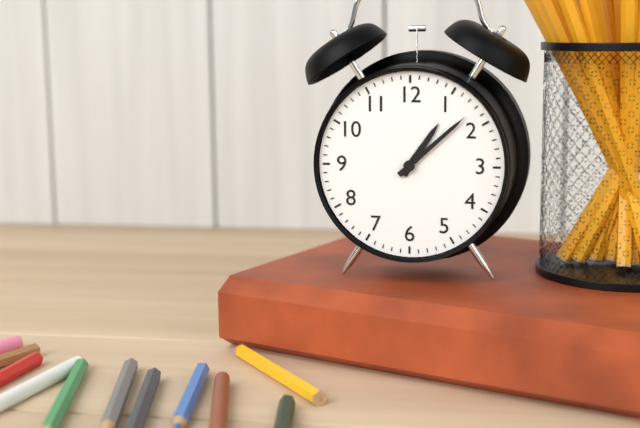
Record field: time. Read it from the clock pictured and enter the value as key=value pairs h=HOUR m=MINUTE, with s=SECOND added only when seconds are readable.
h=1 m=8
